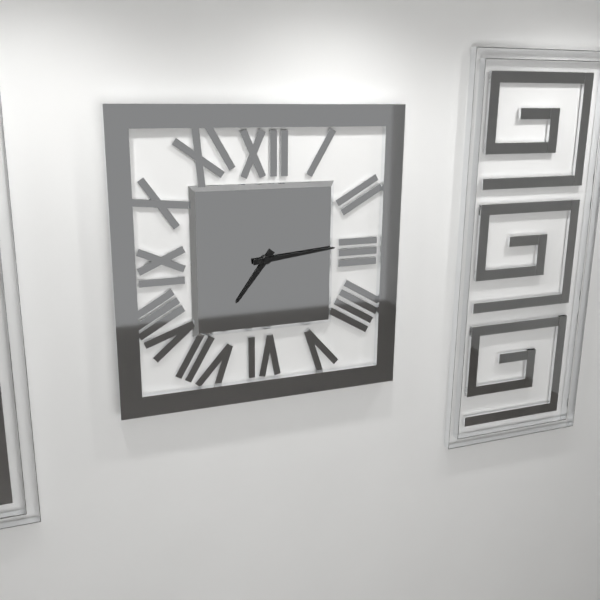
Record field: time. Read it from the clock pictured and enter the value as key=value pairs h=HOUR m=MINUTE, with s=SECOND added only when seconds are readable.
h=7 m=14
